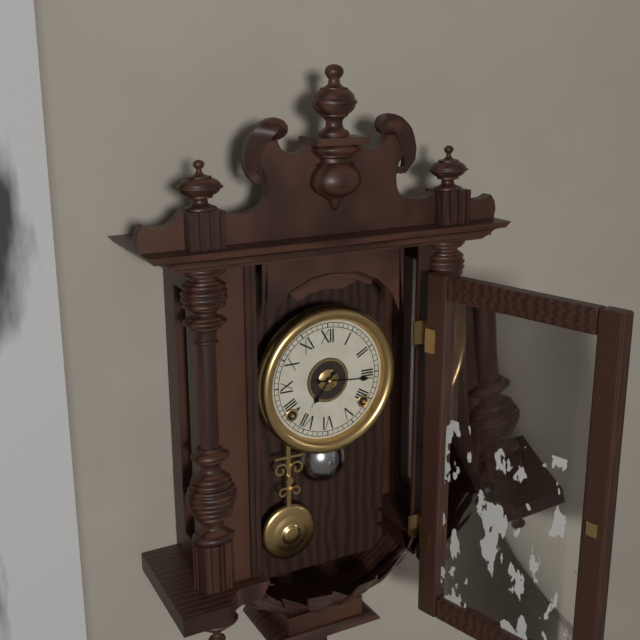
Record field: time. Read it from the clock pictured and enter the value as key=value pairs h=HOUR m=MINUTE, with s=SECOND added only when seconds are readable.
h=7 m=16
